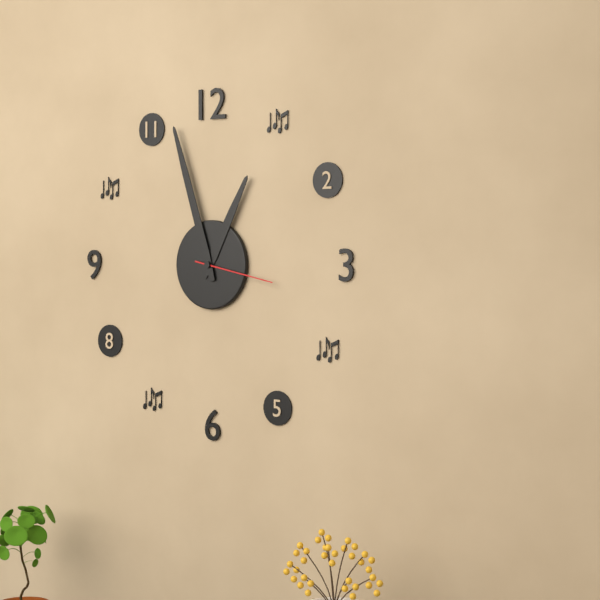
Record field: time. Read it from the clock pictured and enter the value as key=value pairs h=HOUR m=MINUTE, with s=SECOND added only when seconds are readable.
h=12 m=57 s=17
